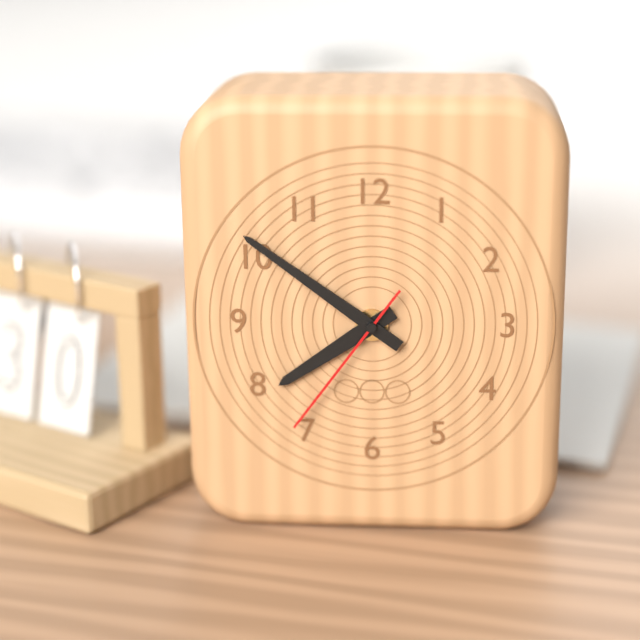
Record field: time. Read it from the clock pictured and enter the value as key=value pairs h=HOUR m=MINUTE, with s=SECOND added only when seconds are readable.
h=7 m=51 s=36
